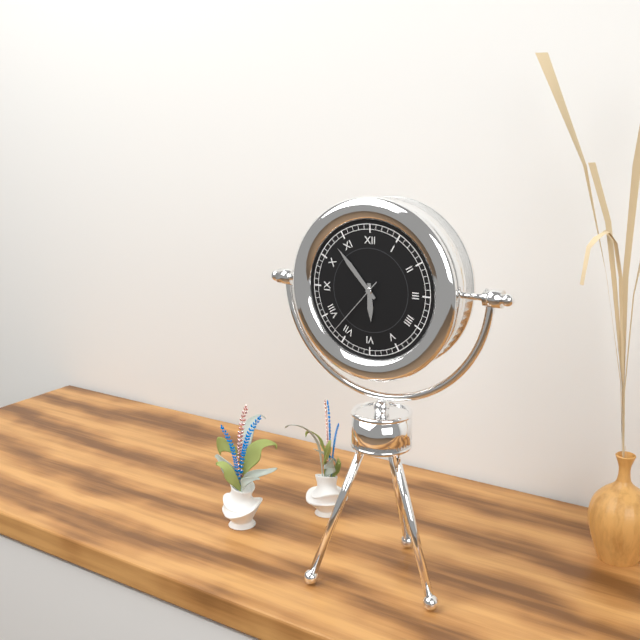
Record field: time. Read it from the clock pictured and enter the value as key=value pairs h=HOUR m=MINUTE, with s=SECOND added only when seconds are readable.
h=5 m=53 s=37
